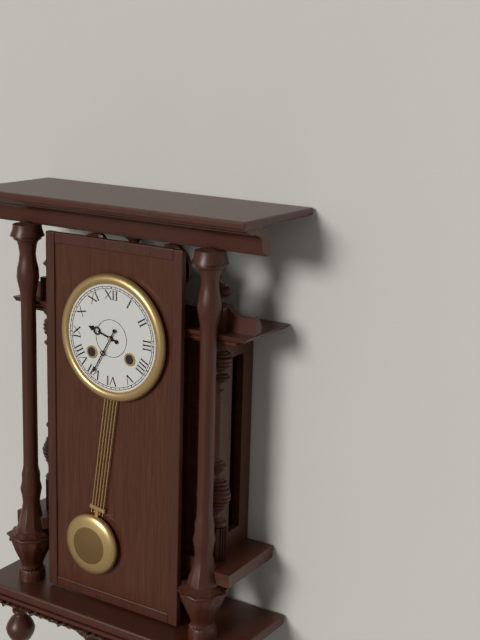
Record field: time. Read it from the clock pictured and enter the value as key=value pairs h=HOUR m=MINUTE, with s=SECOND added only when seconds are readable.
h=9 m=35
